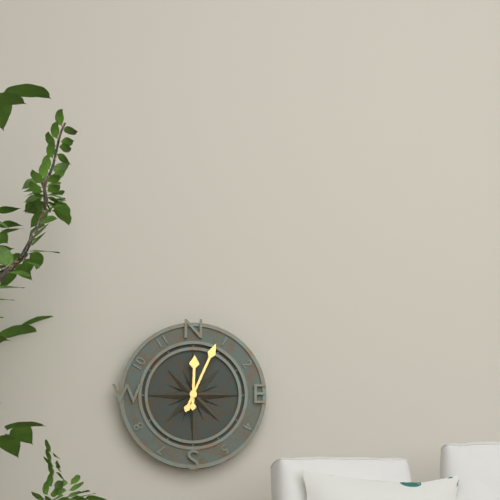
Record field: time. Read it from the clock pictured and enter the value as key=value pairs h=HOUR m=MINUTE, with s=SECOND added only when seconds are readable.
h=12 m=4
